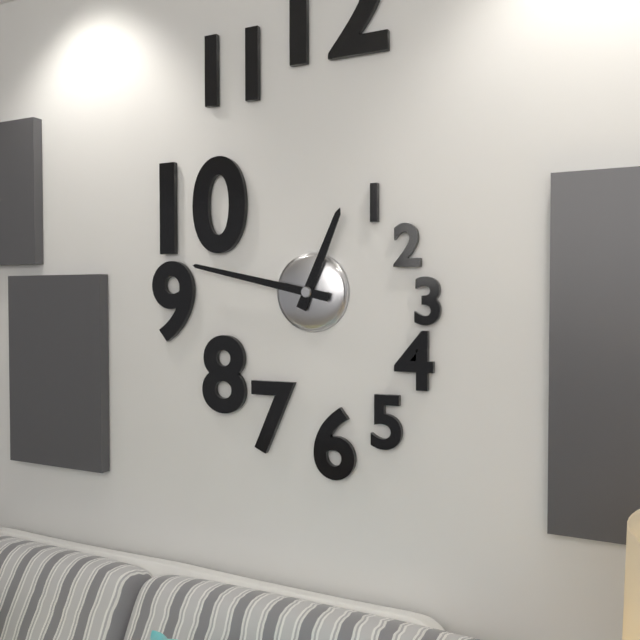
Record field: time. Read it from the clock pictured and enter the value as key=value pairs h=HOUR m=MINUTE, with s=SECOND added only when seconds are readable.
h=12 m=47
